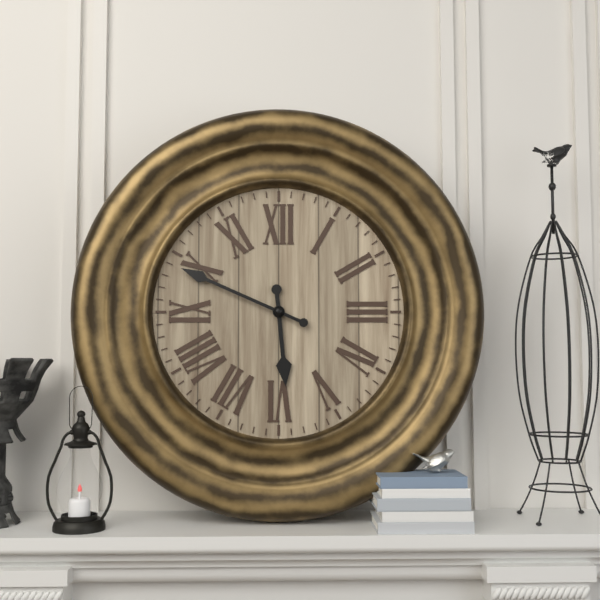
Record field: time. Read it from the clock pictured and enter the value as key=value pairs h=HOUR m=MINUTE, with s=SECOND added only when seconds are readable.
h=5 m=49
